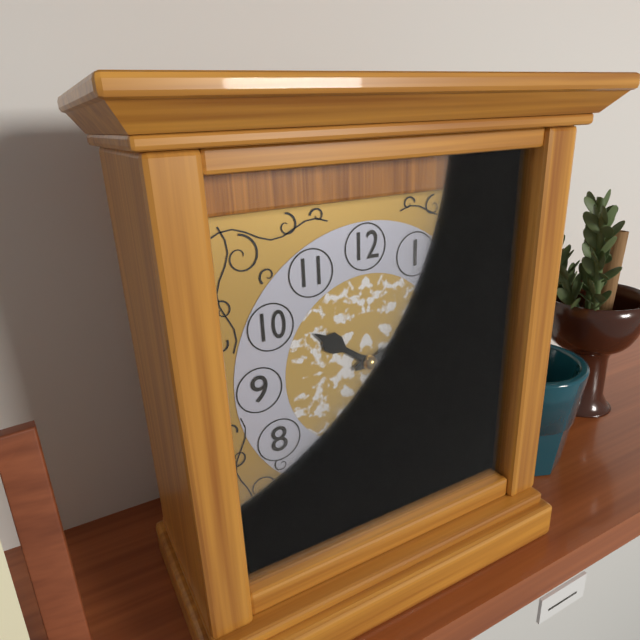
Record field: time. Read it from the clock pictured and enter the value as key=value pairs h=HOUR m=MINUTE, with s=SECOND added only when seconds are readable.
h=10 m=13
